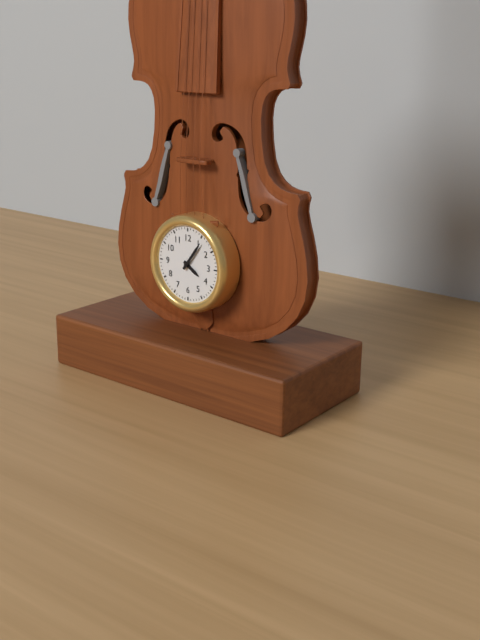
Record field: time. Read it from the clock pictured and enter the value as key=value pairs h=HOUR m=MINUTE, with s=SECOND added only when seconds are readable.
h=4 m=6
